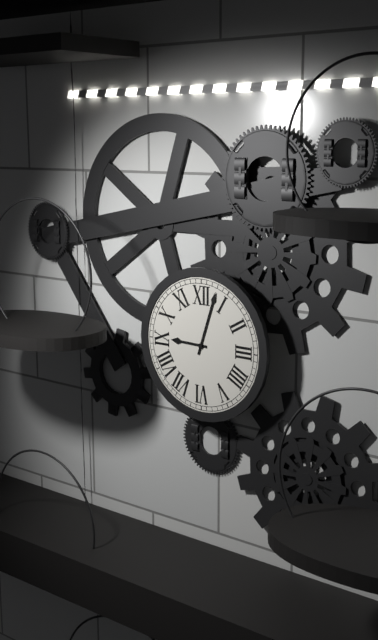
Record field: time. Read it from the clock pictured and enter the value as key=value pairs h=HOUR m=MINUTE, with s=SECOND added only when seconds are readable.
h=9 m=3
